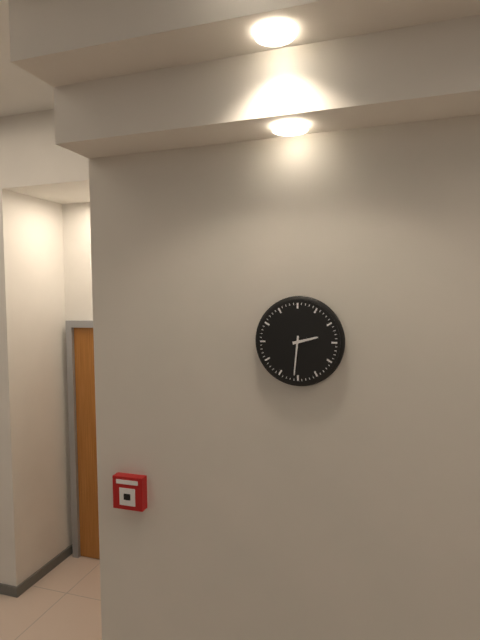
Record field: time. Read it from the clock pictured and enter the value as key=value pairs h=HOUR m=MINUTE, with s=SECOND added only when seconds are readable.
h=2 m=31
